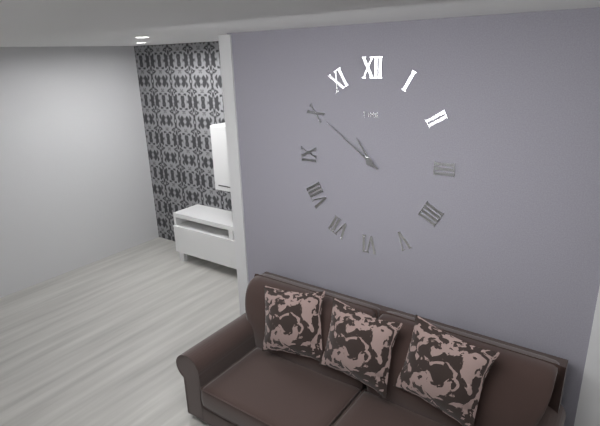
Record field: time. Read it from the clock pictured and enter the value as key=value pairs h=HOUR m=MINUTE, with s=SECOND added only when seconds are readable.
h=10 m=51
